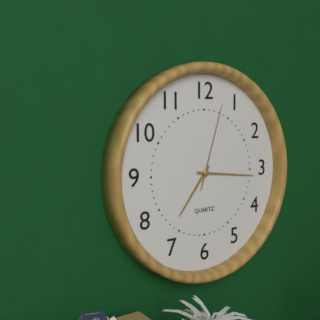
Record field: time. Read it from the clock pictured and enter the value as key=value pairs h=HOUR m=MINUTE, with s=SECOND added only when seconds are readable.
h=7 m=16 s=3
